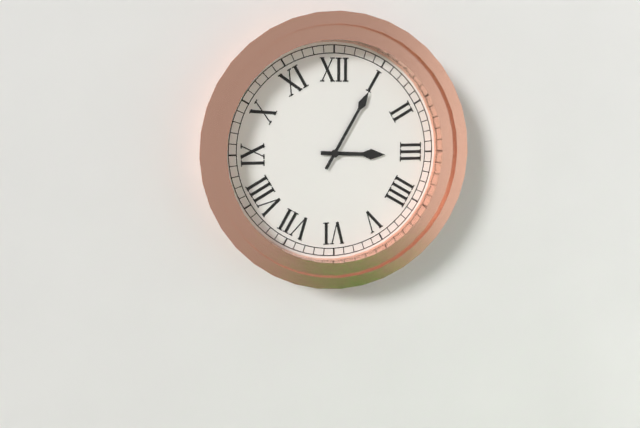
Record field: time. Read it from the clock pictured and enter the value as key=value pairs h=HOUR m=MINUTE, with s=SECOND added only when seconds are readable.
h=3 m=5
